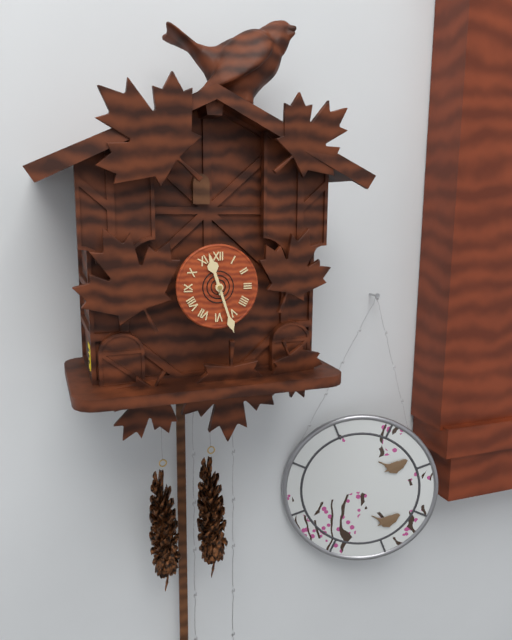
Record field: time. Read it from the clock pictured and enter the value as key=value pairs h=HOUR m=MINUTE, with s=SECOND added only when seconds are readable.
h=11 m=27
